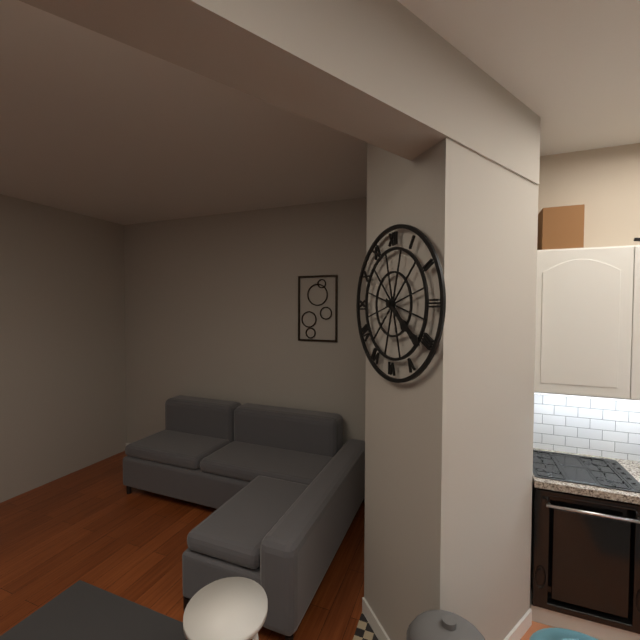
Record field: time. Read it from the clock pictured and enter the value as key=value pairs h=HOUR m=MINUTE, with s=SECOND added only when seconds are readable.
h=4 m=21
